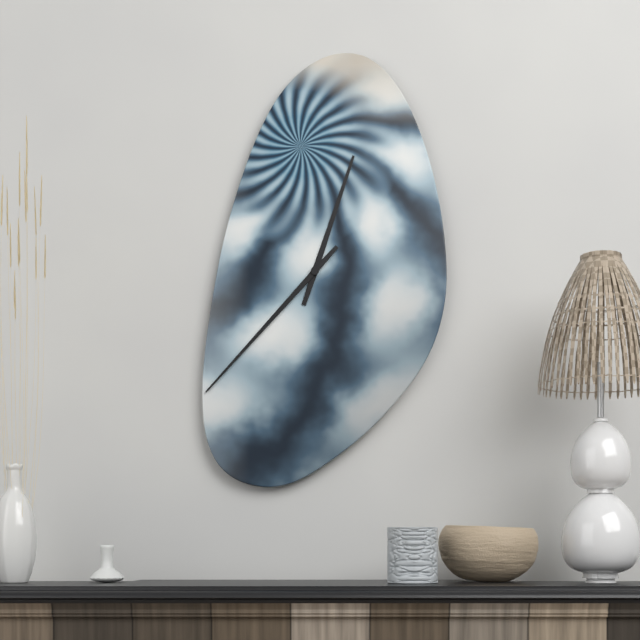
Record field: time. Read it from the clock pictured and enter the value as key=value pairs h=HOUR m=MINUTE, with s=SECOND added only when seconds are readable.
h=12 m=37
